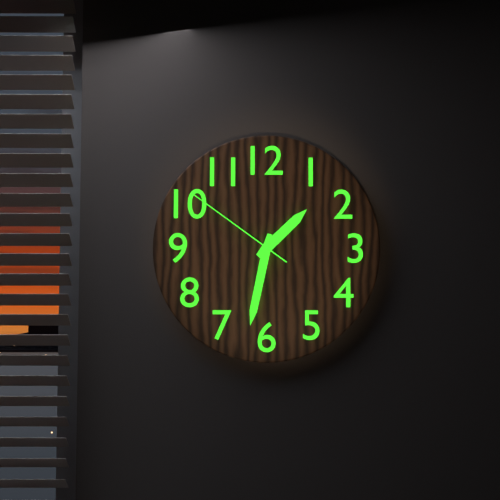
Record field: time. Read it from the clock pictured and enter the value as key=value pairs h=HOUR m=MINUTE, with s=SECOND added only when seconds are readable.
h=1 m=32 s=51
